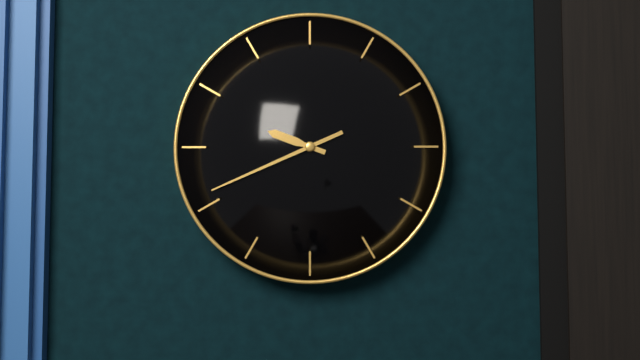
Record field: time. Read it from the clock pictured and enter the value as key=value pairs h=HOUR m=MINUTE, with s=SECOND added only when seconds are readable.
h=9 m=41
